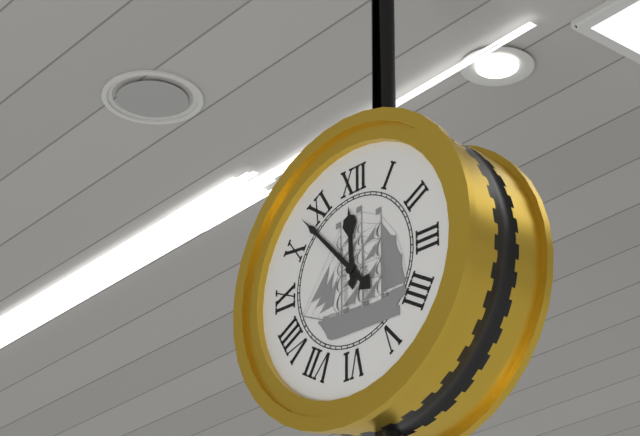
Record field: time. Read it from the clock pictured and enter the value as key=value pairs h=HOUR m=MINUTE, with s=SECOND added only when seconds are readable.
h=11 m=53
